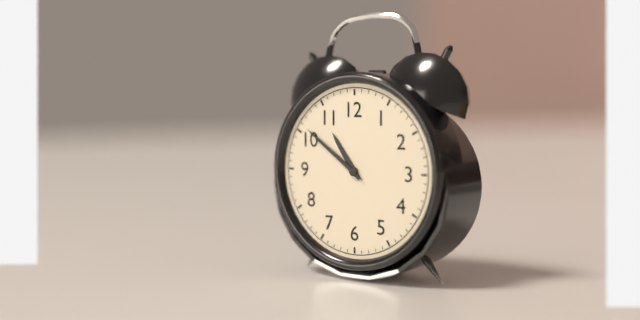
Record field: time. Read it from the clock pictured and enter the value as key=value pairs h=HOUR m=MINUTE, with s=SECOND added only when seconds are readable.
h=10 m=51
